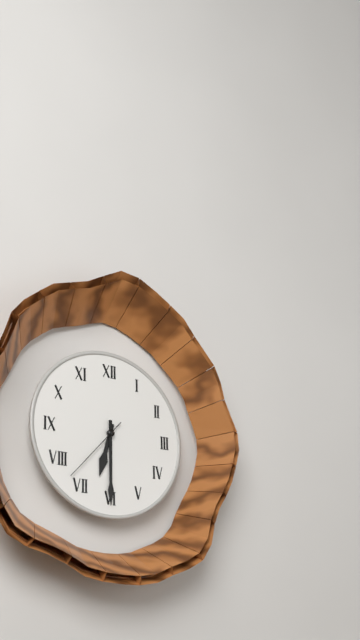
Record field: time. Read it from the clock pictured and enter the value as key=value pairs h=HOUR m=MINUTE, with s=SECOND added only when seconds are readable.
h=6 m=30 s=37
